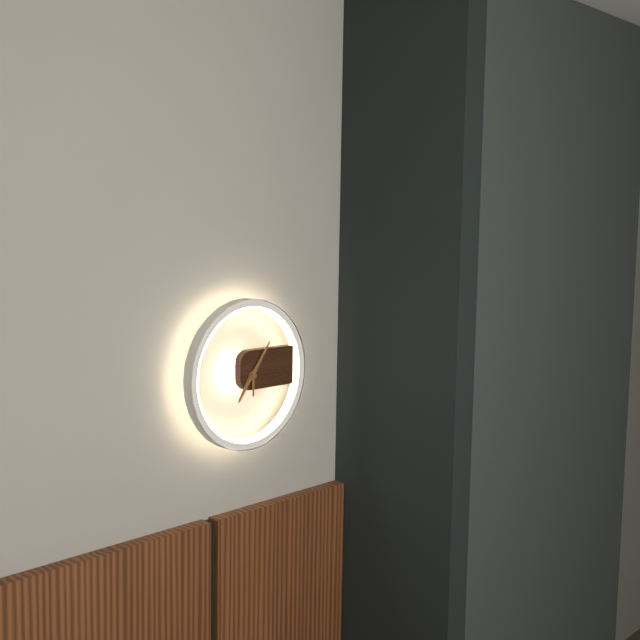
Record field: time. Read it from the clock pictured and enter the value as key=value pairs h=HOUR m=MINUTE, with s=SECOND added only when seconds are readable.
h=7 m=6
